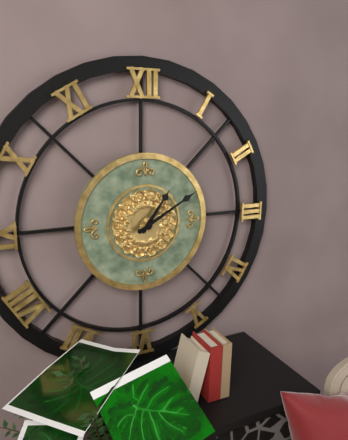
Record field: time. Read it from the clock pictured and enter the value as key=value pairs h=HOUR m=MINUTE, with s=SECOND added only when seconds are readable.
h=1 m=10
